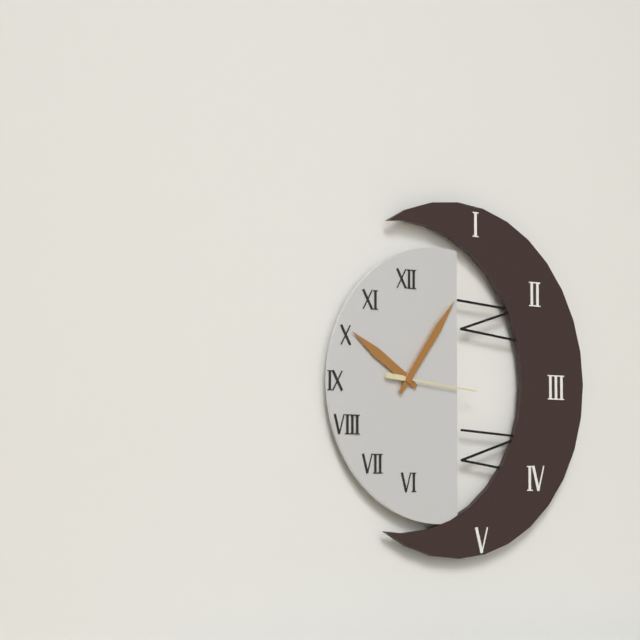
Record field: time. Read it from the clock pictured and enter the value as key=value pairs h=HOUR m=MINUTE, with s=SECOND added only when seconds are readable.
h=10 m=6 s=16
